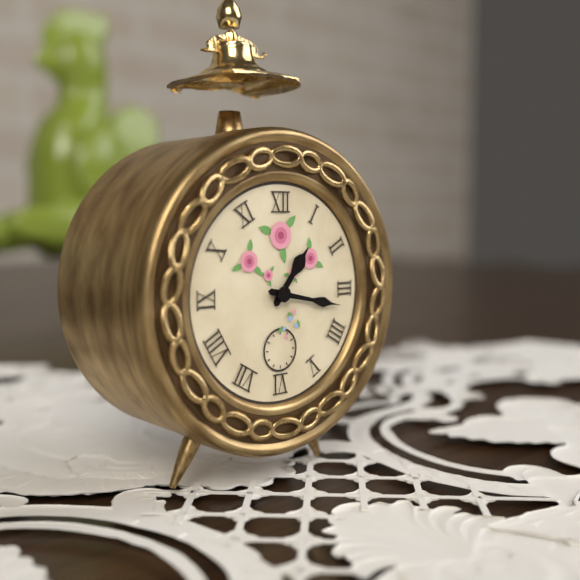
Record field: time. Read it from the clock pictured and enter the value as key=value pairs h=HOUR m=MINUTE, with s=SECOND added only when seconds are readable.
h=1 m=17
